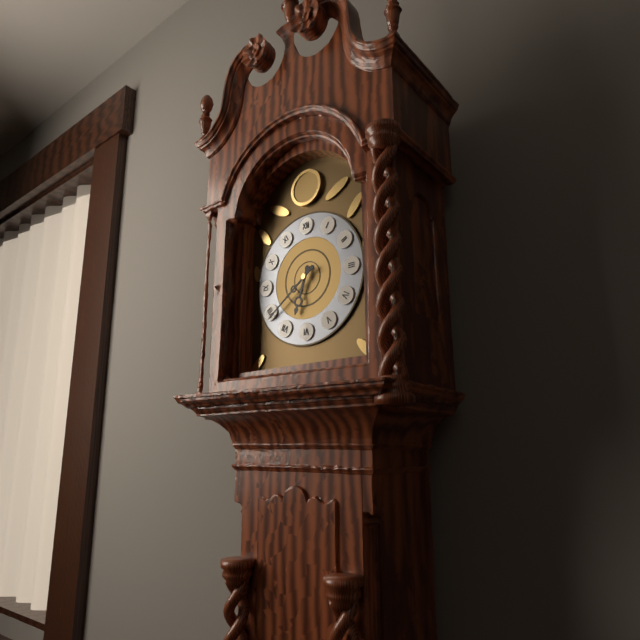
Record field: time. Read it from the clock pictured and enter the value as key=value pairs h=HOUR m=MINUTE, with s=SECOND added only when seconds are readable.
h=6 m=39
